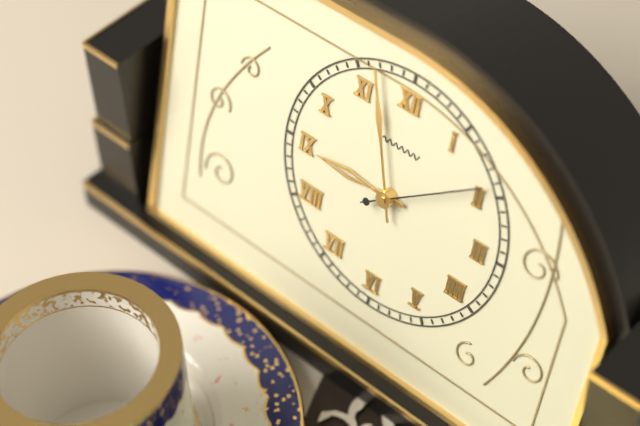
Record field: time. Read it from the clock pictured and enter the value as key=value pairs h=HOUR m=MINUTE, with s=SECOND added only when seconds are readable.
h=8 m=57 s=9
